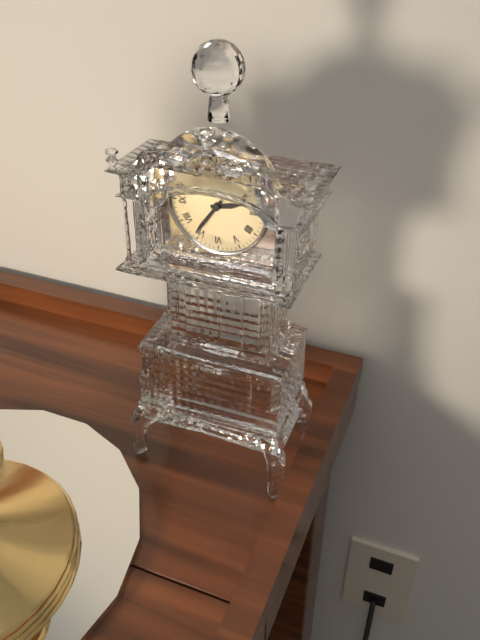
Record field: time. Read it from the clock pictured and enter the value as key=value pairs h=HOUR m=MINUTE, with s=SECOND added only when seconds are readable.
h=2 m=36
